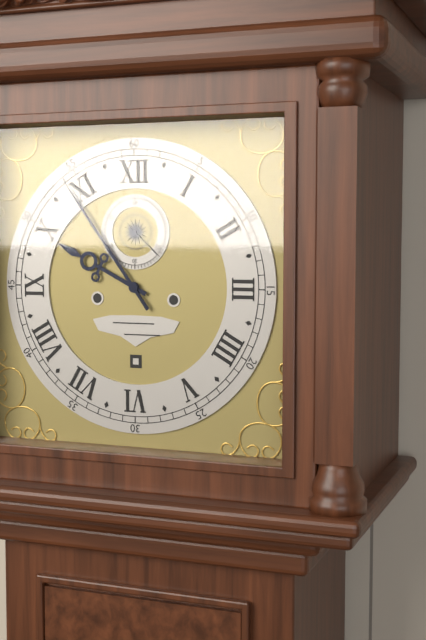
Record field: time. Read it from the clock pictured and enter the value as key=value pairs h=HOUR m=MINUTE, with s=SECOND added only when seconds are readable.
h=9 m=54
